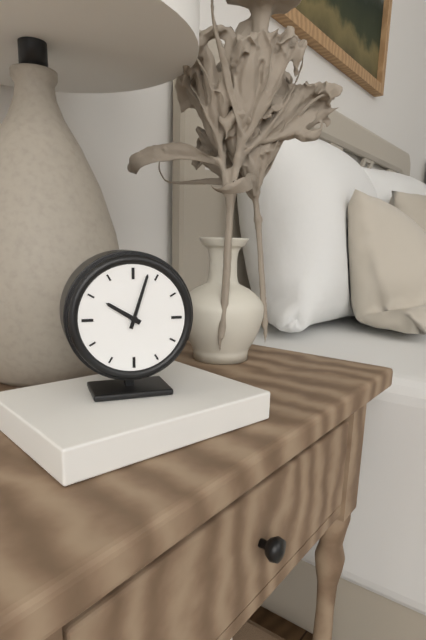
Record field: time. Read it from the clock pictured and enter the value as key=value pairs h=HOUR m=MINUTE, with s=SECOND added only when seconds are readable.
h=10 m=3
